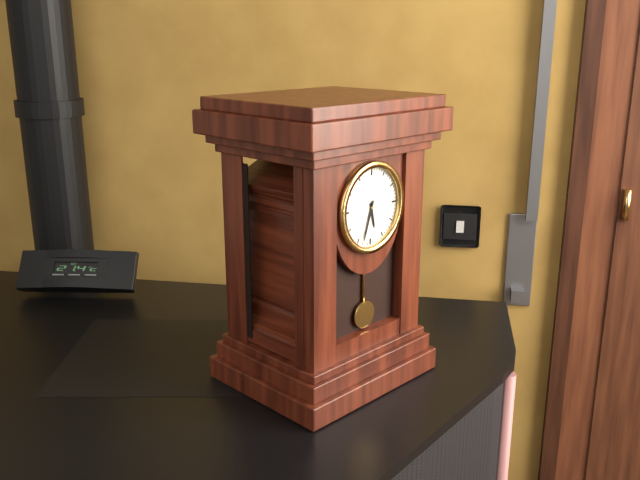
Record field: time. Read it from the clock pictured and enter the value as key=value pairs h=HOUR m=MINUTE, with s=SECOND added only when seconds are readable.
h=5 m=33
